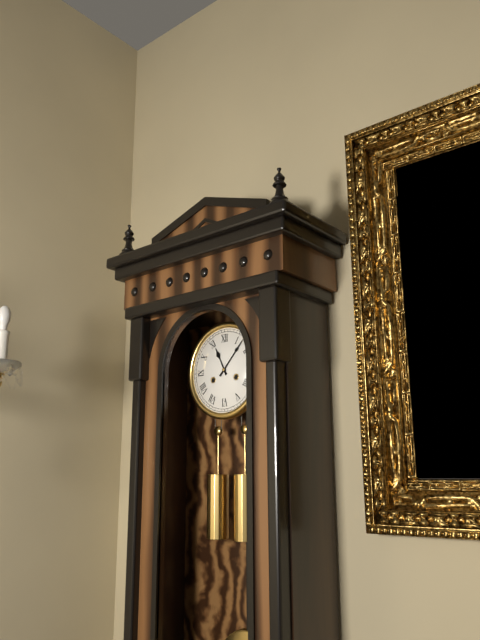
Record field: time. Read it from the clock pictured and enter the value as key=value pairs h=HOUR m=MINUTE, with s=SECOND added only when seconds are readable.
h=11 m=7
